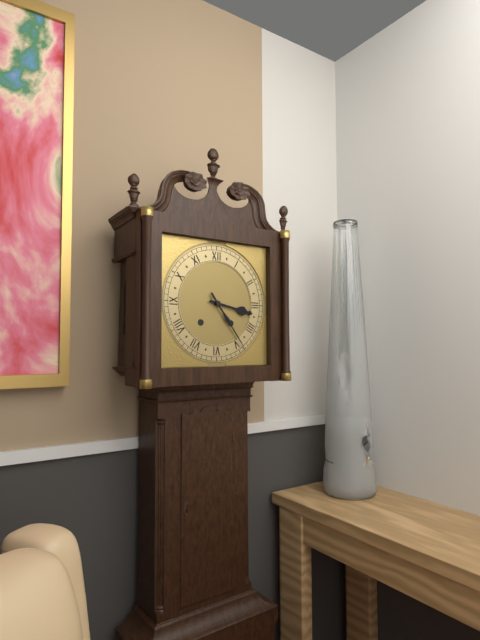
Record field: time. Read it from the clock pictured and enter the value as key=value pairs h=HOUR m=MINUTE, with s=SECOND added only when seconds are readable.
h=3 m=24
